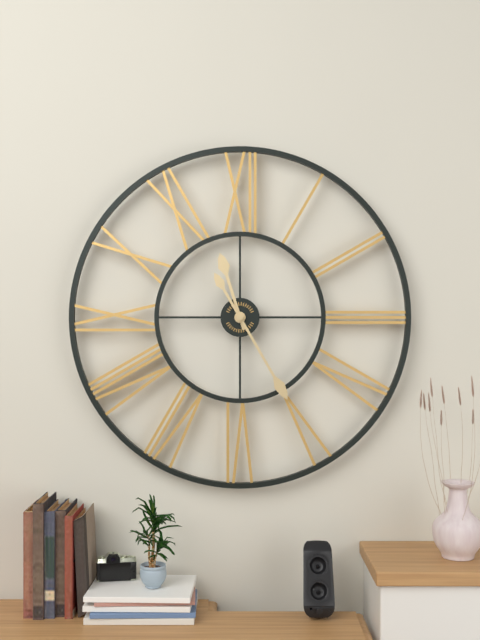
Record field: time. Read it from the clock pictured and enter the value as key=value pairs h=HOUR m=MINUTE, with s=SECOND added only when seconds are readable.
h=11 m=25
